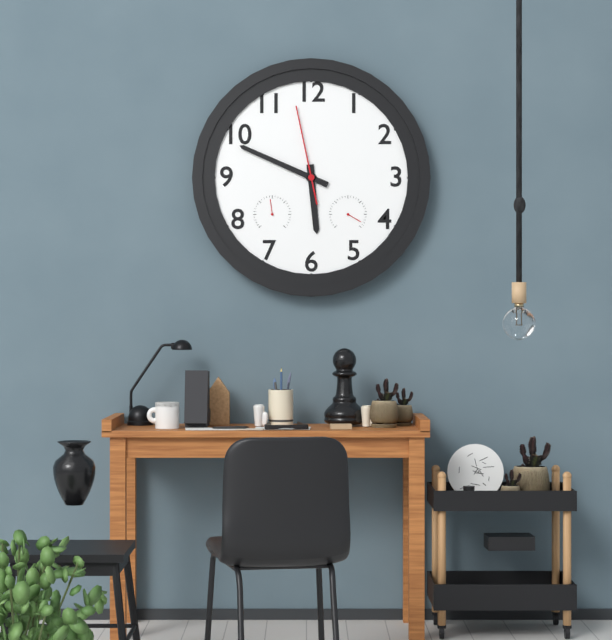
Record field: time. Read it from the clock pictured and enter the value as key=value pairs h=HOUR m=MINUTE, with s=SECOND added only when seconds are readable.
h=5 m=49 s=58
